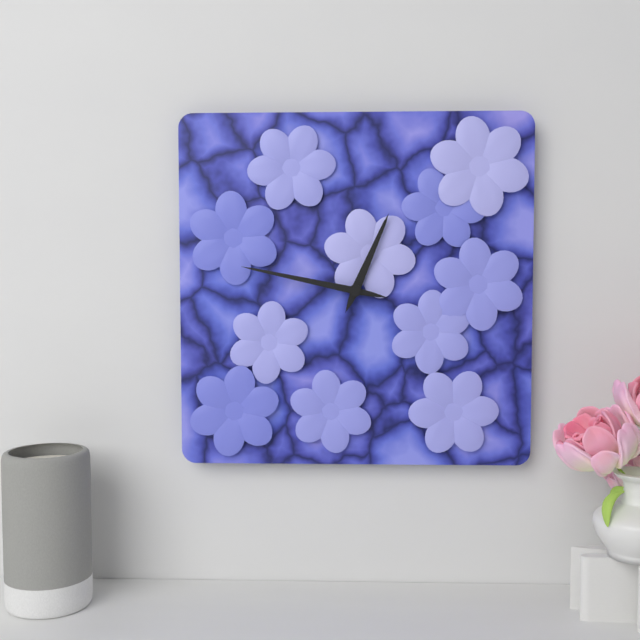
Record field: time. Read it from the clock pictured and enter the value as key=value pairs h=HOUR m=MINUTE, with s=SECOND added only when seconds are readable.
h=12 m=47
